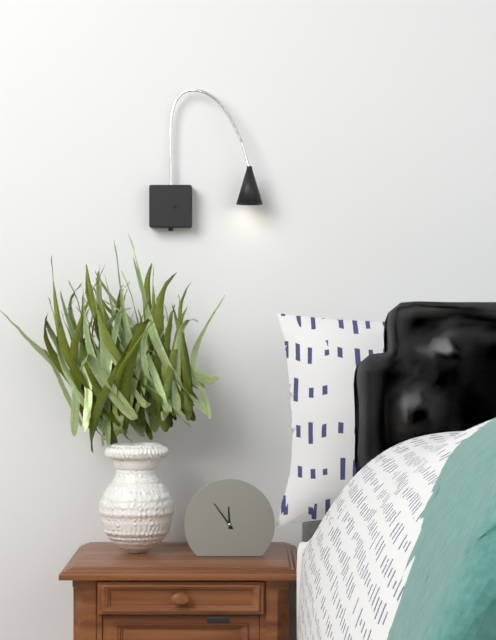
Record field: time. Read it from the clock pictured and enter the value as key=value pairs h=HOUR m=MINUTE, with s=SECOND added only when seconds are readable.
h=11 m=54
